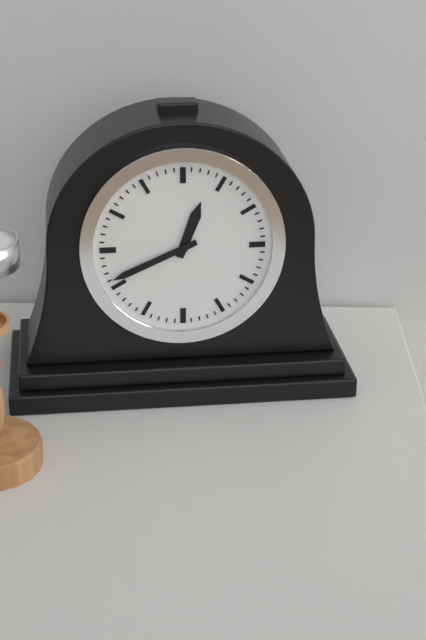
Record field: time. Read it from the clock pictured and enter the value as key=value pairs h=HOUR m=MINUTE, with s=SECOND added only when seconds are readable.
h=12 m=41
